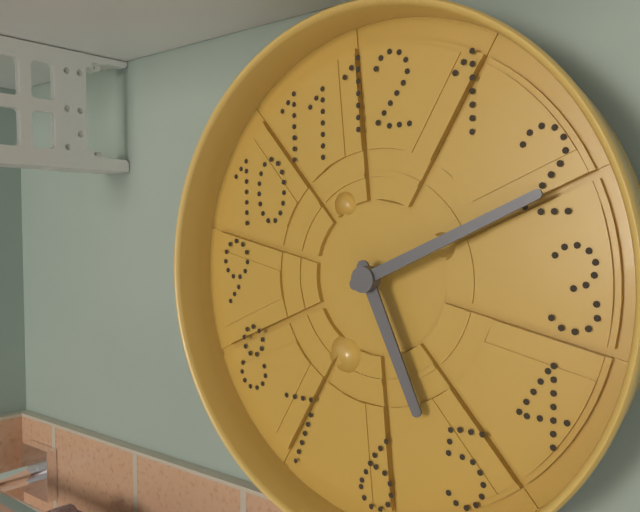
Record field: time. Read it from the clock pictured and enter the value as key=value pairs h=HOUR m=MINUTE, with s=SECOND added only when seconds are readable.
h=5 m=11
